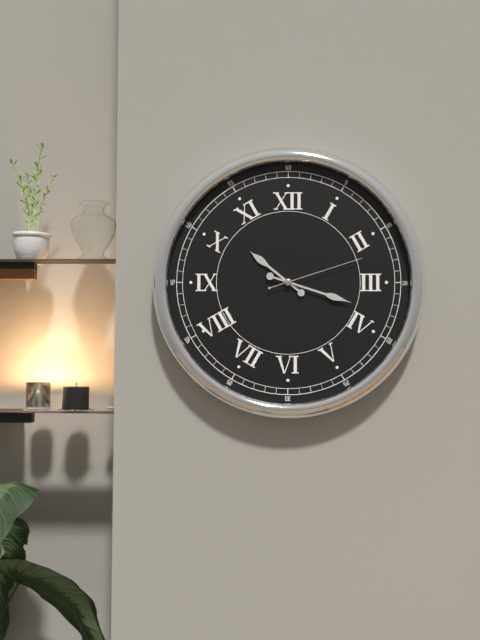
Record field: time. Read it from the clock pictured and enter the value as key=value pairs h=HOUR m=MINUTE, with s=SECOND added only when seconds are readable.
h=10 m=18 s=12
